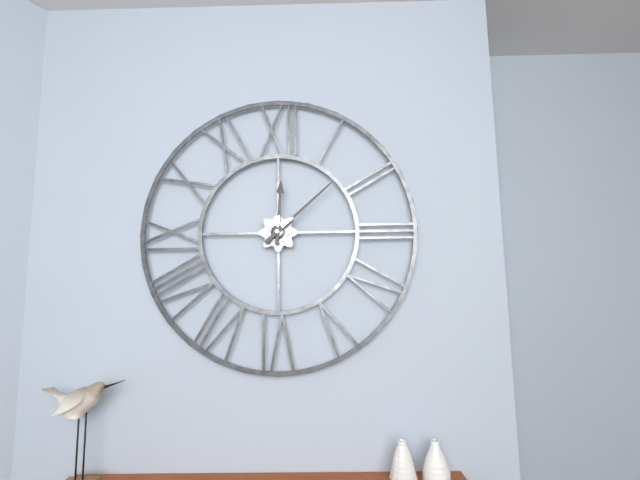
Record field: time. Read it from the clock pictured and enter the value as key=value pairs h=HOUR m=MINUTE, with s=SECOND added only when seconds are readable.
h=12 m=8
